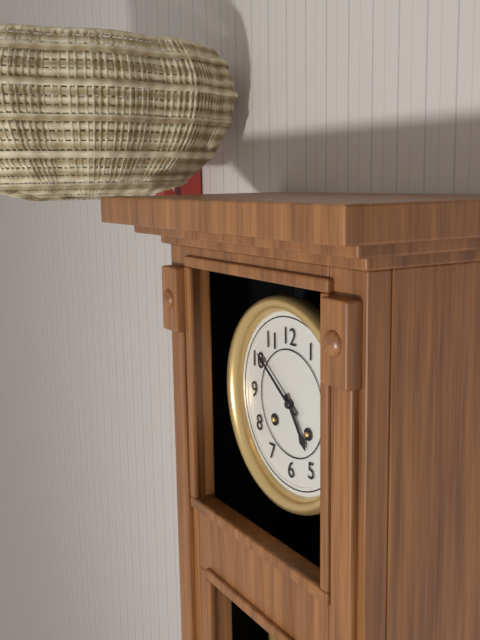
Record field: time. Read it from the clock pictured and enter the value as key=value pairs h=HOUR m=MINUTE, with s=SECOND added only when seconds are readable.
h=4 m=51
